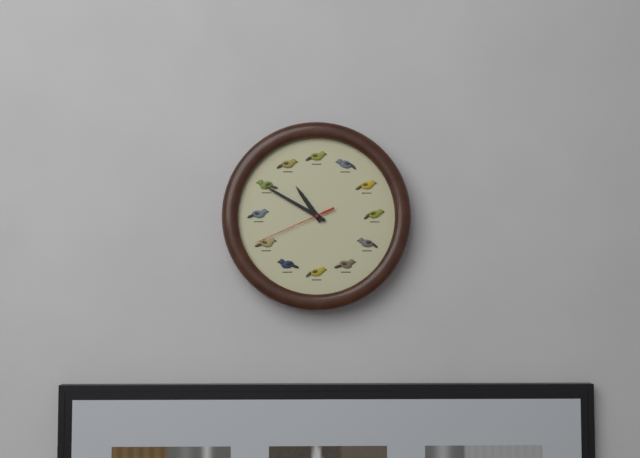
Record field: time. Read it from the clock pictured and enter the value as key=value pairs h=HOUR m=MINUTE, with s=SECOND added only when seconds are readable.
h=10 m=50 s=41
